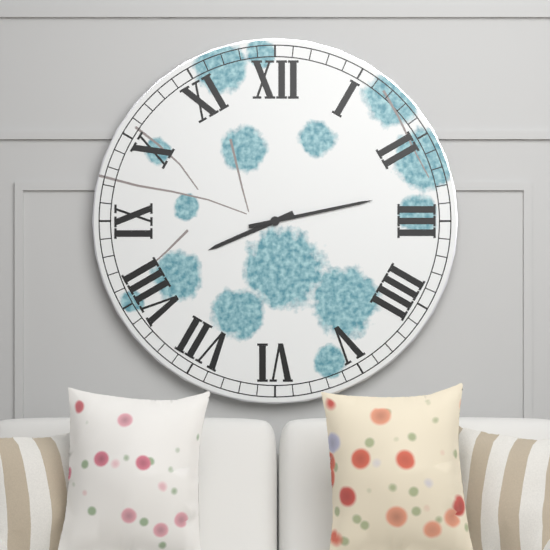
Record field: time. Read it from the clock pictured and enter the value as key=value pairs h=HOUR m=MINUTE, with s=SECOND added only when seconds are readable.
h=8 m=13
